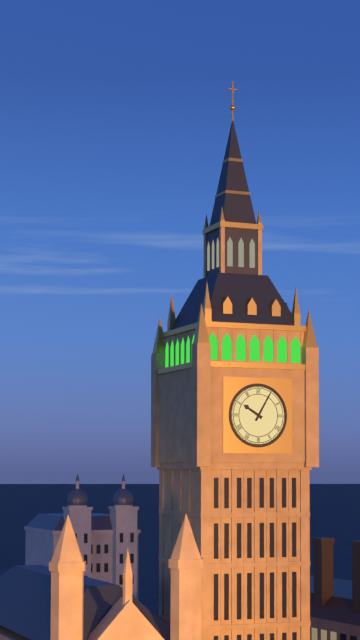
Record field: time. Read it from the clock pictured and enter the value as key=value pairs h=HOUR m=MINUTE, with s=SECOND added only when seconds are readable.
h=10 m=5
